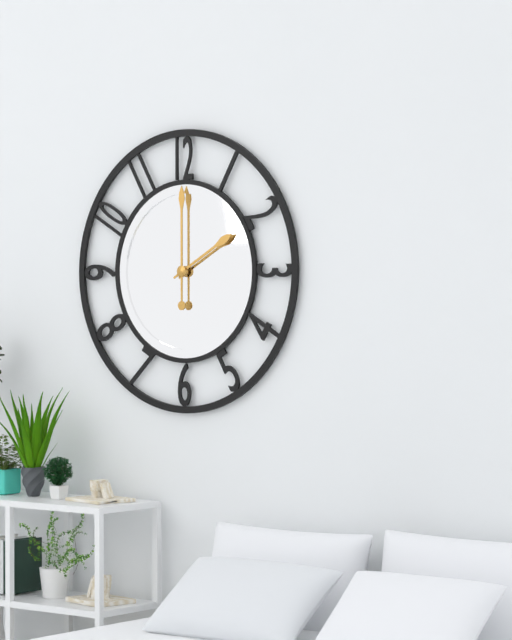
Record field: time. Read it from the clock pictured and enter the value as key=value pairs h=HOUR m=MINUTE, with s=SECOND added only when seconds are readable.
h=2 m=0
